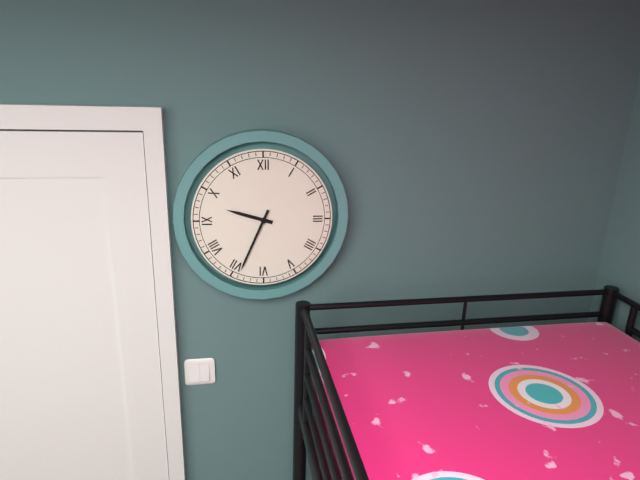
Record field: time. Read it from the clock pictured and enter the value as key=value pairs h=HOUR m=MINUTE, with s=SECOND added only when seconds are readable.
h=9 m=34
